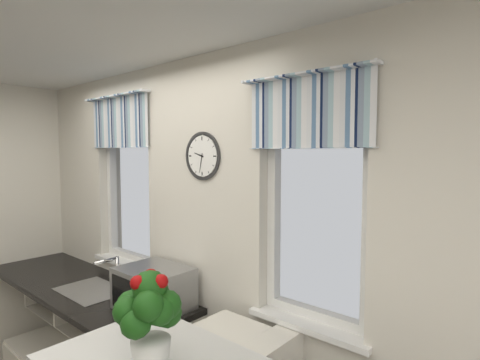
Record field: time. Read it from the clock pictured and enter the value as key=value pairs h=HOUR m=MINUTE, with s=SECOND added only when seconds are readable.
h=9 m=32
